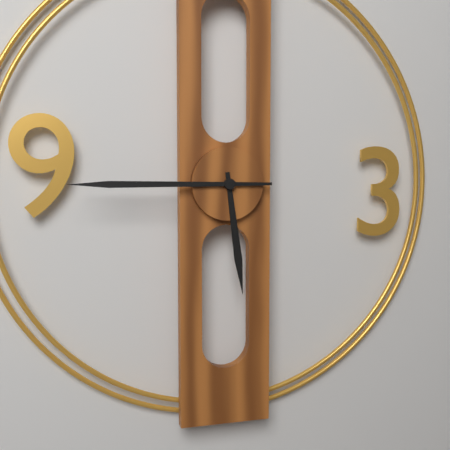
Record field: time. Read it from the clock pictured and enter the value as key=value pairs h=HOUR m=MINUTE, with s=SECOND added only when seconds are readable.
h=5 m=45
